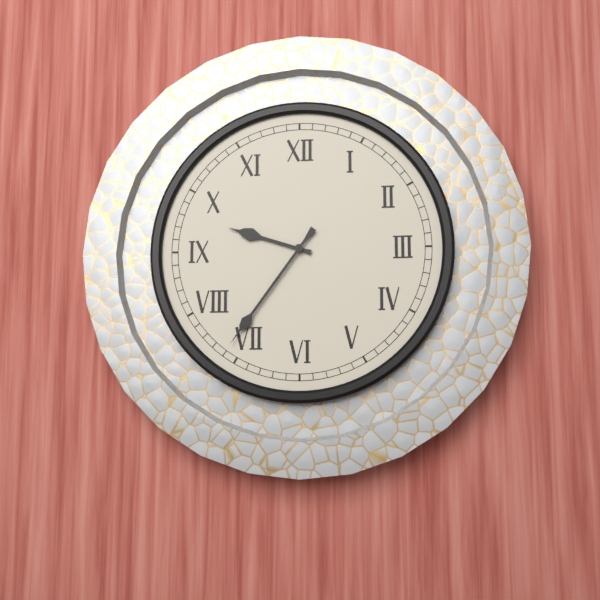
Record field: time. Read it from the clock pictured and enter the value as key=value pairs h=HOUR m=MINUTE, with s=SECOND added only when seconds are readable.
h=9 m=36
